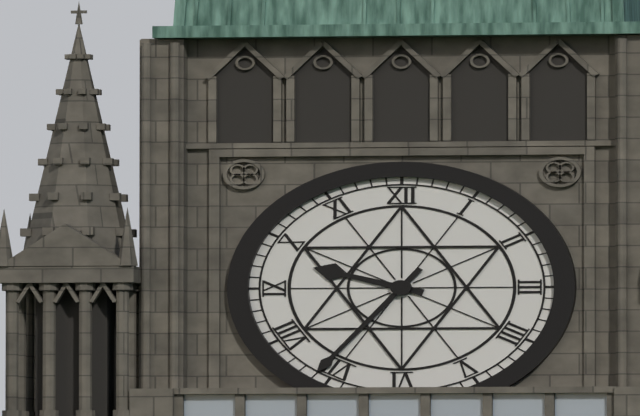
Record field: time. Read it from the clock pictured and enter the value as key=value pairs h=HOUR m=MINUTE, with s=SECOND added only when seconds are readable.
h=9 m=36
